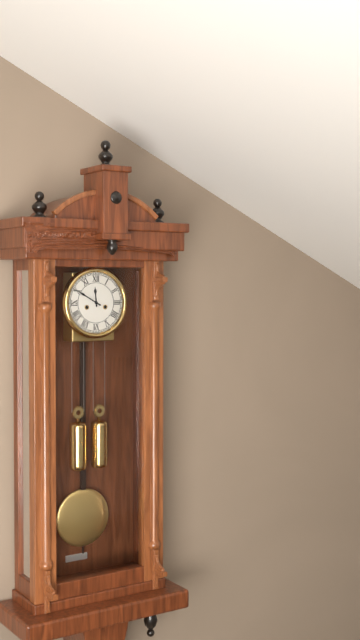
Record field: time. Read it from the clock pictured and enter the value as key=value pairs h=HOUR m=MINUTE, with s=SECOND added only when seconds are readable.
h=11 m=50
